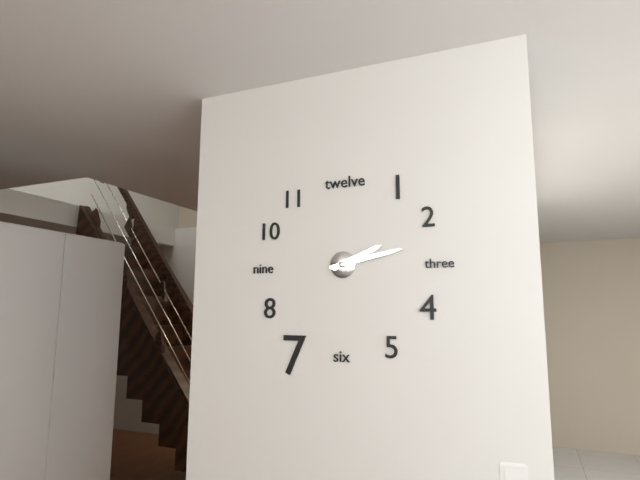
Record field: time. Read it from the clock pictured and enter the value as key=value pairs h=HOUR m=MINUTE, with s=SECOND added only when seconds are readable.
h=2 m=13
